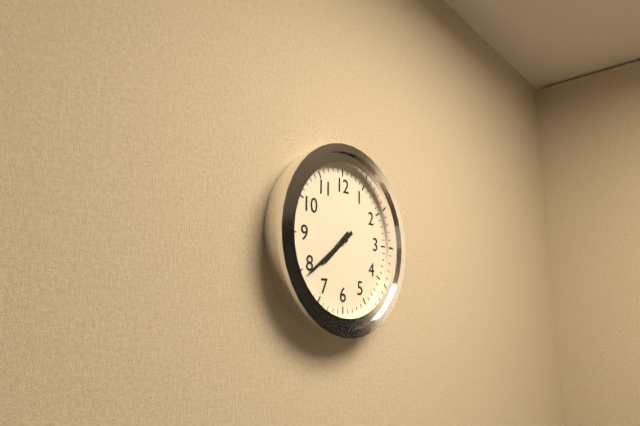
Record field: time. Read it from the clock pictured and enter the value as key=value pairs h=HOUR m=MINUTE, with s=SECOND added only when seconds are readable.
h=7 m=39
